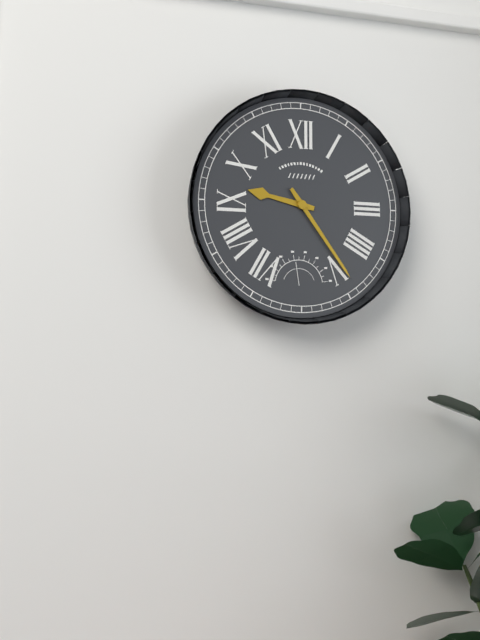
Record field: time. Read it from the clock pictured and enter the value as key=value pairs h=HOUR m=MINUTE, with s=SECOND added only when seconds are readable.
h=9 m=24
